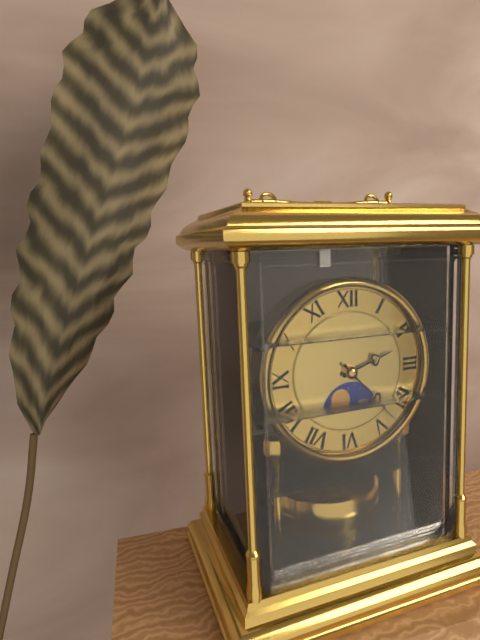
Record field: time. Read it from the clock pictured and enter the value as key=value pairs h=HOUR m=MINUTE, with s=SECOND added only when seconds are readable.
h=2 m=23
